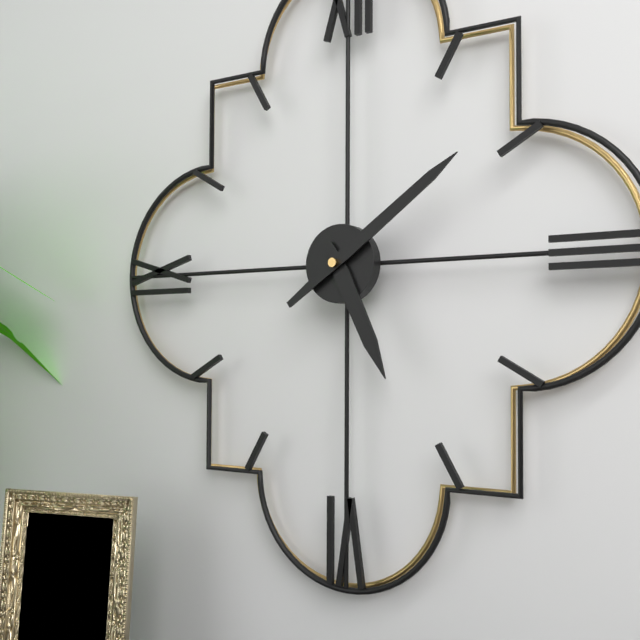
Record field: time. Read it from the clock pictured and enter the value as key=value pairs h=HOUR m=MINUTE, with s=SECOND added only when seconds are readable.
h=5 m=9
